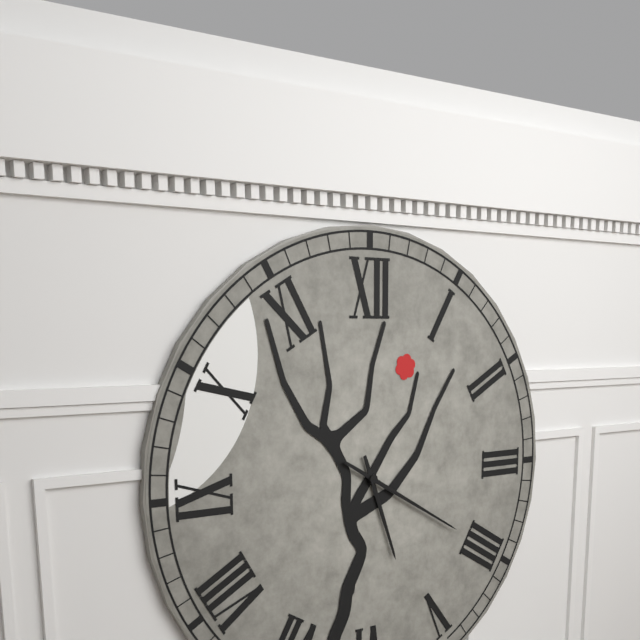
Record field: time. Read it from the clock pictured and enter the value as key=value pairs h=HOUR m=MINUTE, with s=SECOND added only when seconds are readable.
h=5 m=20
